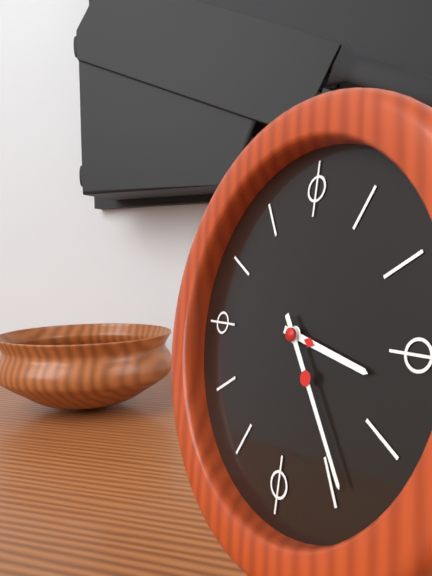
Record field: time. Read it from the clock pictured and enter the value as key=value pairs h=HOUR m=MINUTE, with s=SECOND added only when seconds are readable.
h=3 m=24
